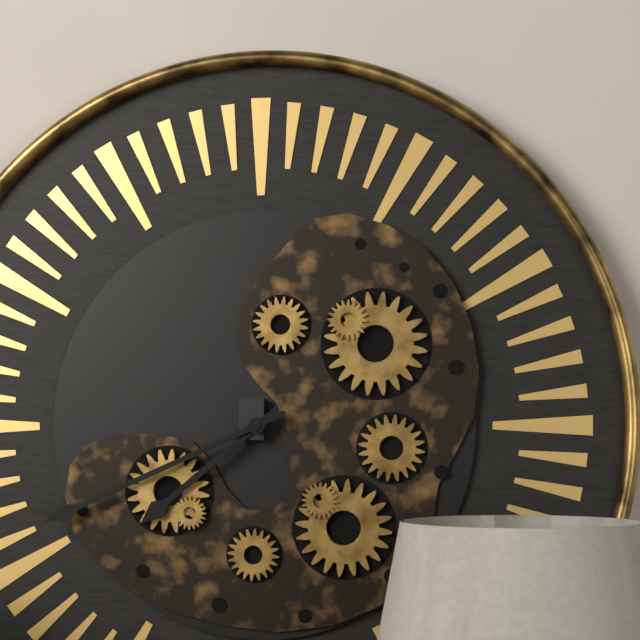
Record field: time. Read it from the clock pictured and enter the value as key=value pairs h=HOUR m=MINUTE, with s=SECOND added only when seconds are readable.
h=7 m=41
